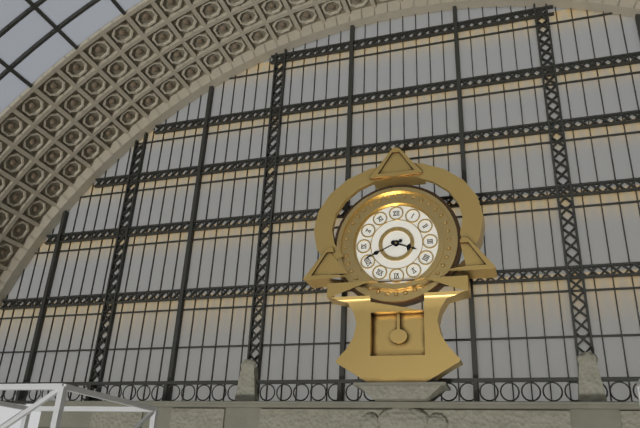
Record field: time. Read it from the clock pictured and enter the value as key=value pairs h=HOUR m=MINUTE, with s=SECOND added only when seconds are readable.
h=3 m=41
